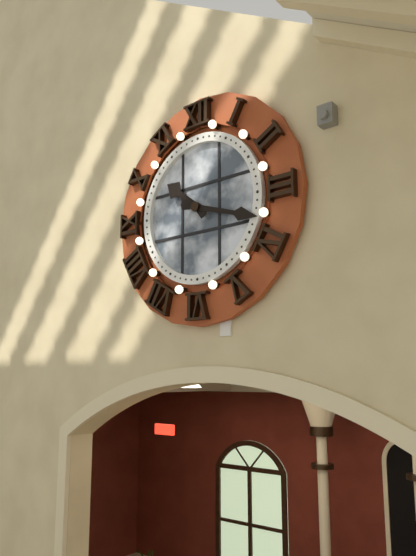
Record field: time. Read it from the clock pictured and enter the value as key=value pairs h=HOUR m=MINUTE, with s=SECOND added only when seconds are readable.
h=10 m=18
